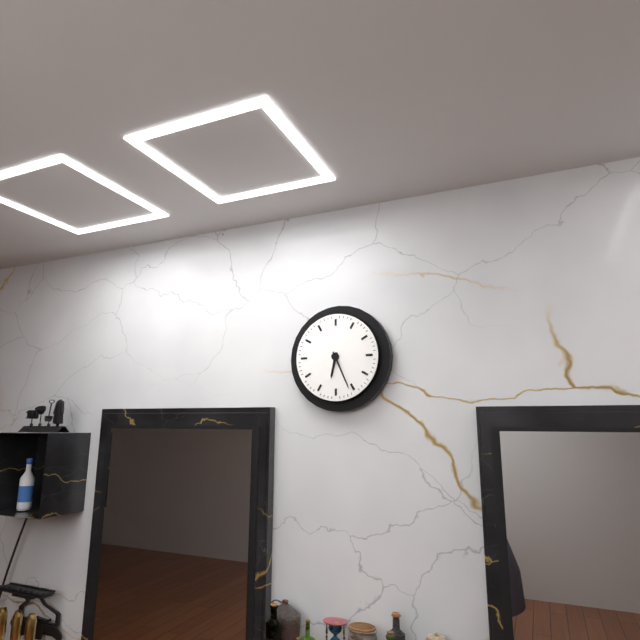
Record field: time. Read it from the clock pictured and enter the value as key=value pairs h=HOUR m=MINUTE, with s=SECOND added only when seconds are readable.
h=6 m=26
